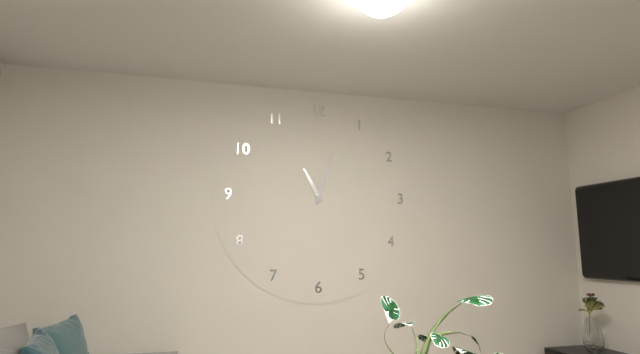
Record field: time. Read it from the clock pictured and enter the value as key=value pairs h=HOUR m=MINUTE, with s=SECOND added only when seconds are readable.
h=11 m=3
